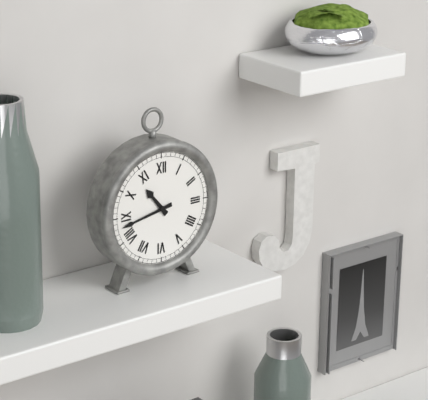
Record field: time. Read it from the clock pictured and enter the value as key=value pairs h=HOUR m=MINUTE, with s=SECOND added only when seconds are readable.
h=10 m=43
